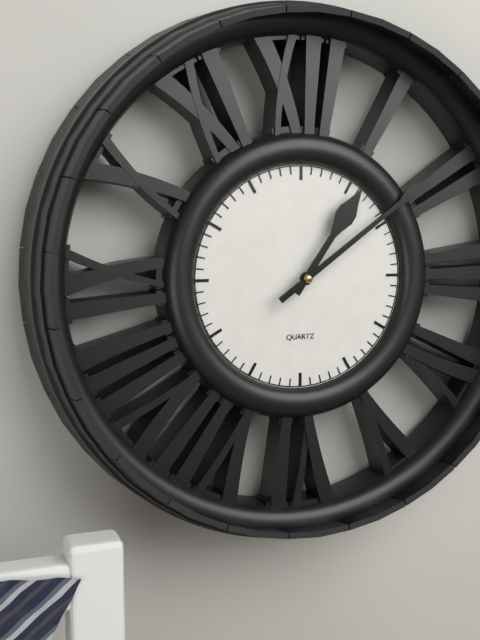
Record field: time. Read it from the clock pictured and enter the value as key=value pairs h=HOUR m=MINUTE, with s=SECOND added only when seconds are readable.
h=1 m=9
